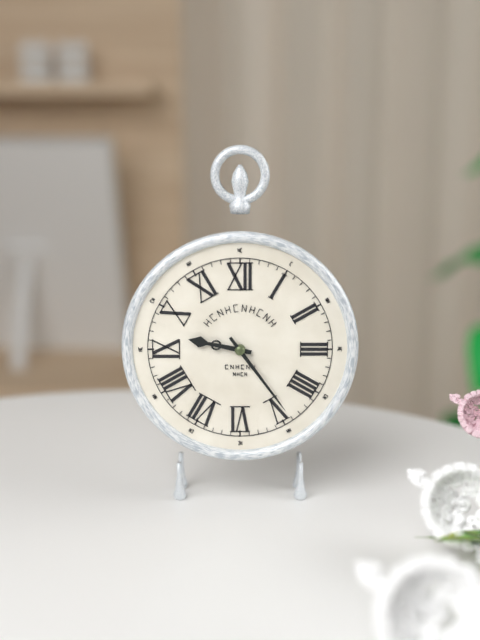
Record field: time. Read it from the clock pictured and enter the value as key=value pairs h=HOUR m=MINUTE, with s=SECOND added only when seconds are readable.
h=9 m=24
